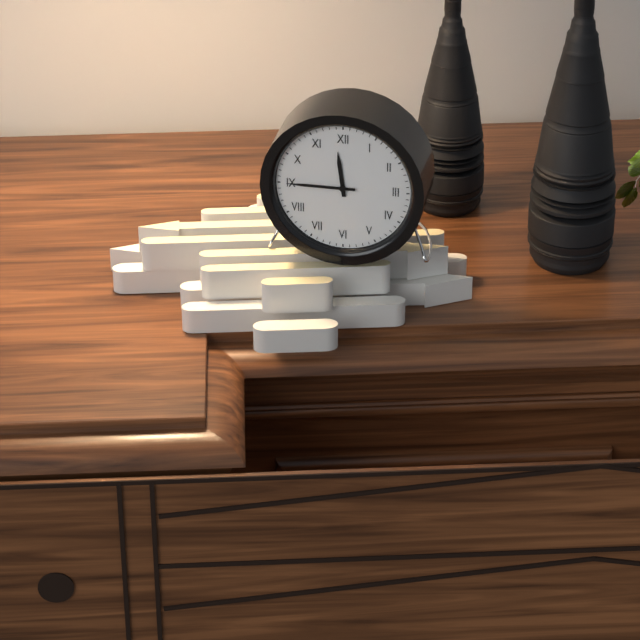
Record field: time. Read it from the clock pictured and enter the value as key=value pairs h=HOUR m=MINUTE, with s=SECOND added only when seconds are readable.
h=11 m=45
